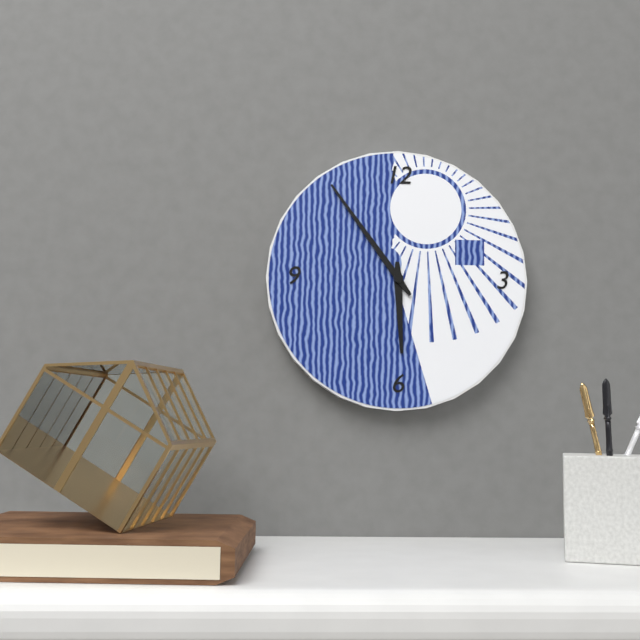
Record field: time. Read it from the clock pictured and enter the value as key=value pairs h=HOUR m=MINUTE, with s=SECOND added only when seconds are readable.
h=5 m=54
